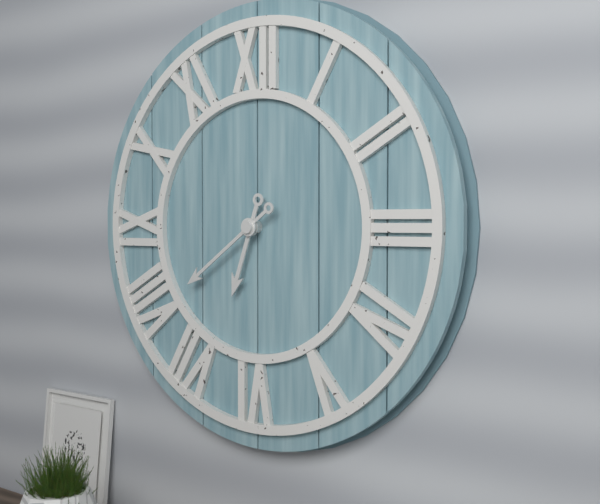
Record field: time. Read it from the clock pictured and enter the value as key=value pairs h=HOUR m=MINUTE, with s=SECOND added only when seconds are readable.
h=6 m=39
